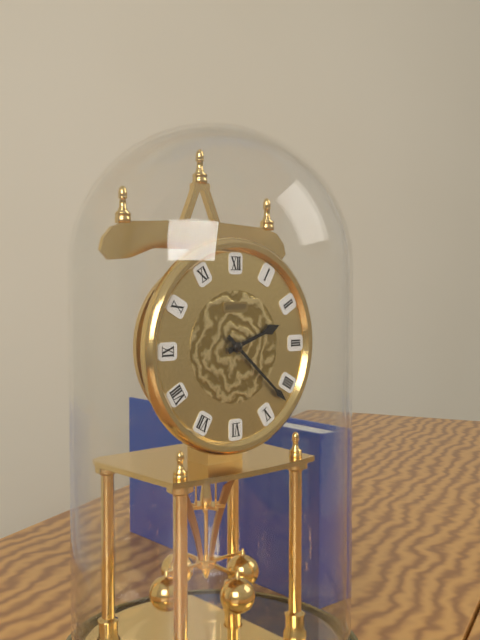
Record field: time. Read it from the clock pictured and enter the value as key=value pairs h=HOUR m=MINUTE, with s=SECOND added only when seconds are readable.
h=2 m=22
